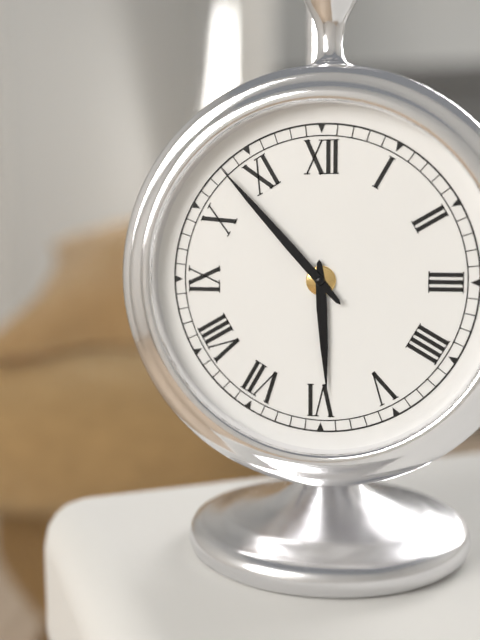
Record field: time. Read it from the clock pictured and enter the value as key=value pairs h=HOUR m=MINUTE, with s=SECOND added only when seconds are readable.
h=5 m=53
